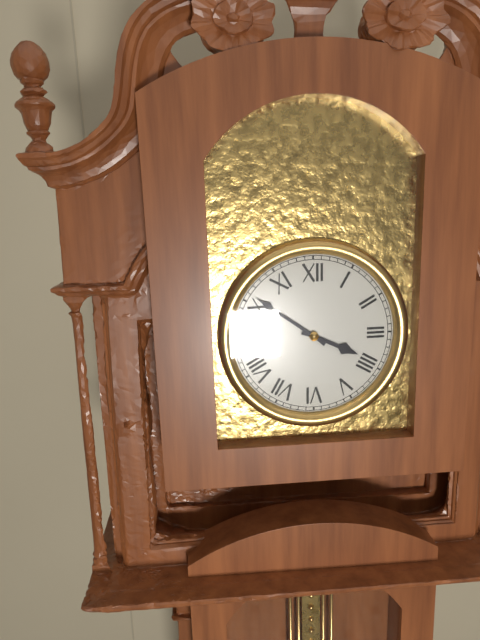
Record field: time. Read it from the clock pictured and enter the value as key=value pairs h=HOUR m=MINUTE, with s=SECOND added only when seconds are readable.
h=3 m=51
